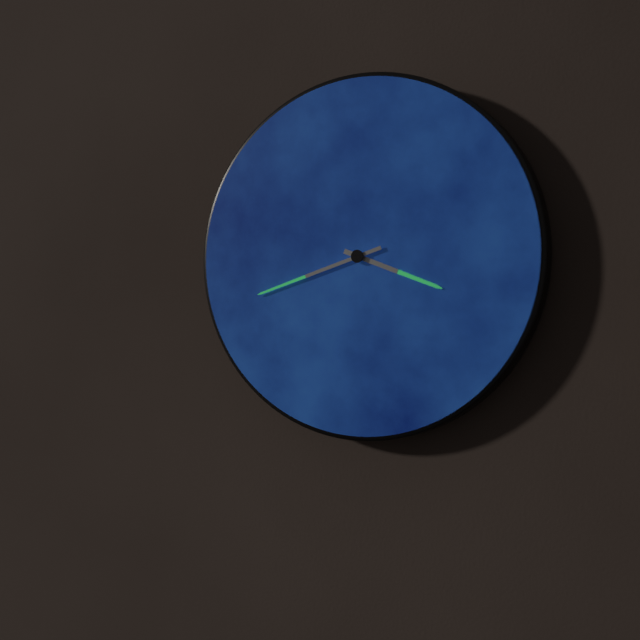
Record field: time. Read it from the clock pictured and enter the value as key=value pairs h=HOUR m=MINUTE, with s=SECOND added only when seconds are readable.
h=3 m=42
